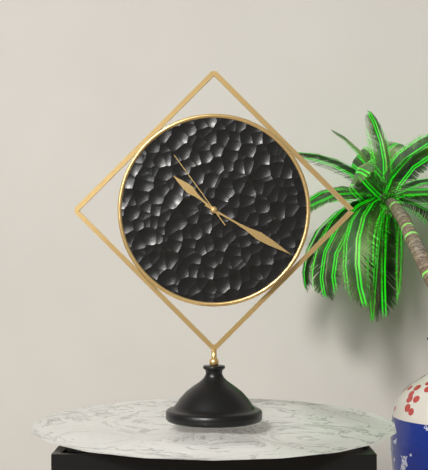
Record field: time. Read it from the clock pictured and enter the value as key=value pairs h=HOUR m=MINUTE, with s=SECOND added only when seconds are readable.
h=10 m=20 s=54
